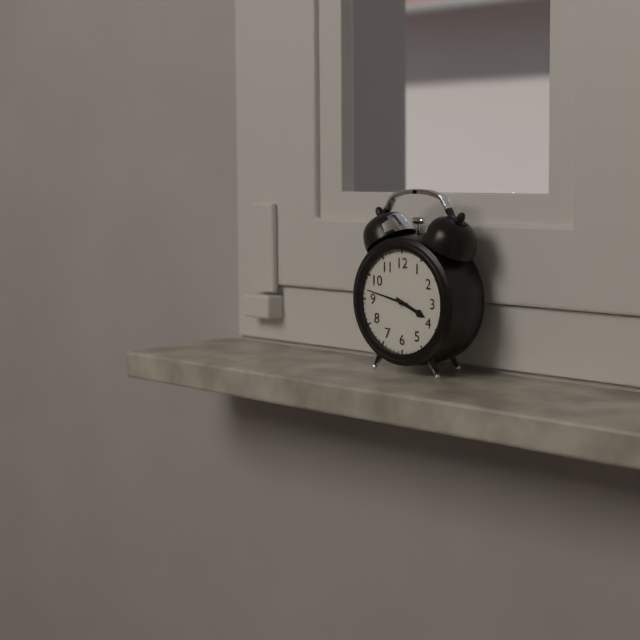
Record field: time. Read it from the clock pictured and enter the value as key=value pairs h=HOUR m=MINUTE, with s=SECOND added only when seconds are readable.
h=3 m=47
